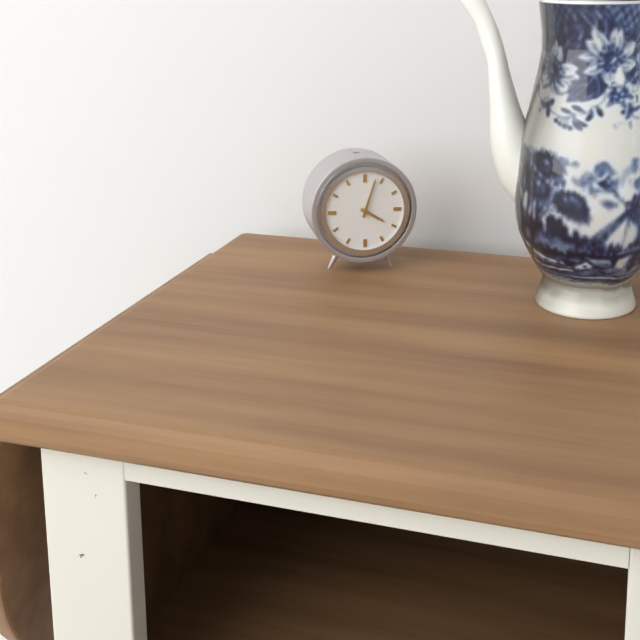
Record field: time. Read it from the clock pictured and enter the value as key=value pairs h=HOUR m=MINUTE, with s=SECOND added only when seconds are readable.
h=4 m=3
